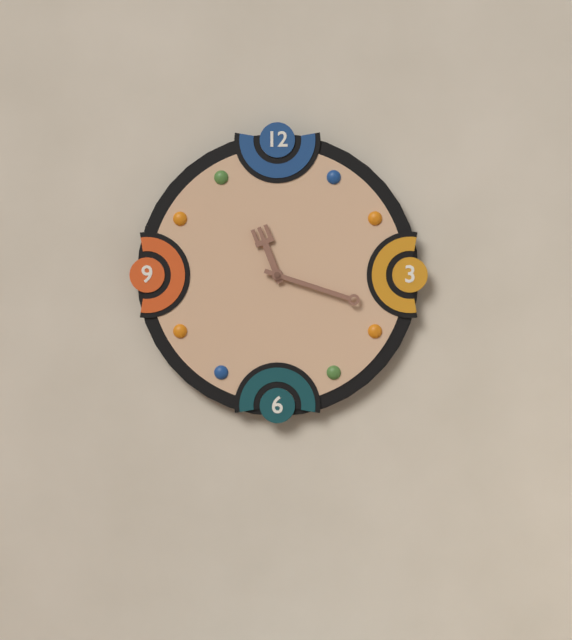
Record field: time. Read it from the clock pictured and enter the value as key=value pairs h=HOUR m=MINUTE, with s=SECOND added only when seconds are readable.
h=11 m=18
